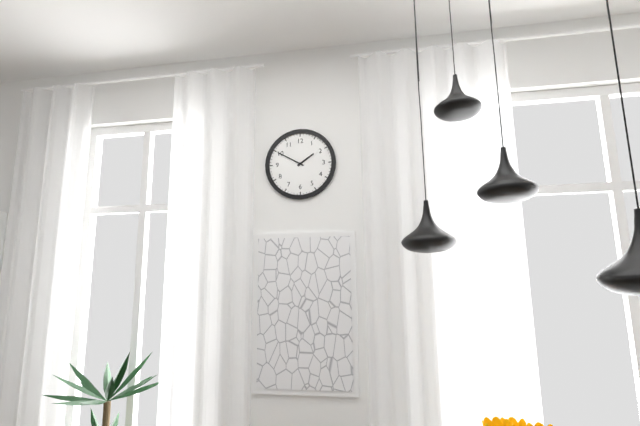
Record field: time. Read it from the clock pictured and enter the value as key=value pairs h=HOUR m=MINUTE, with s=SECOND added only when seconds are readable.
h=1 m=50
